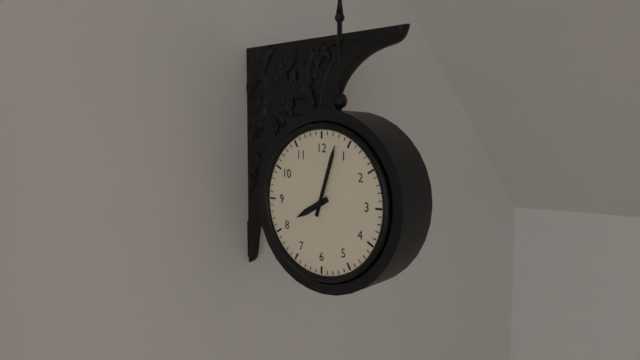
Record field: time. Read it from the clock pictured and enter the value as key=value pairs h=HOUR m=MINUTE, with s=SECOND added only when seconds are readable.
h=8 m=3
